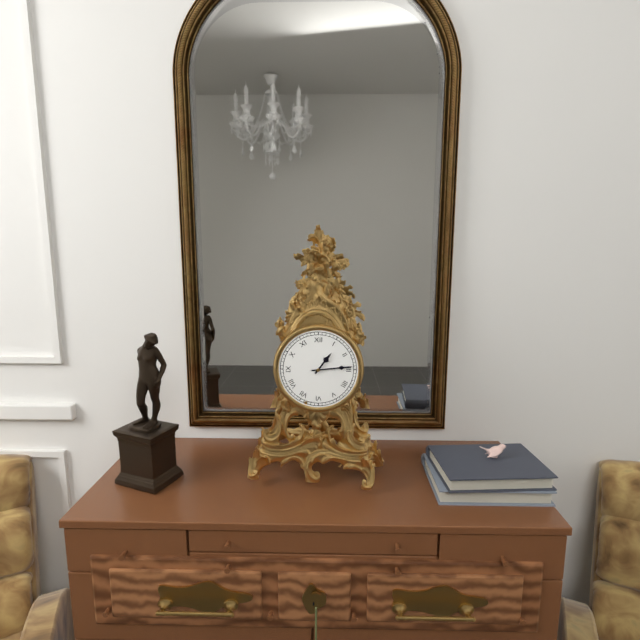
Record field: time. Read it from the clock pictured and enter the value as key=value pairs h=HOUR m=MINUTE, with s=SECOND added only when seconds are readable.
h=1 m=14
